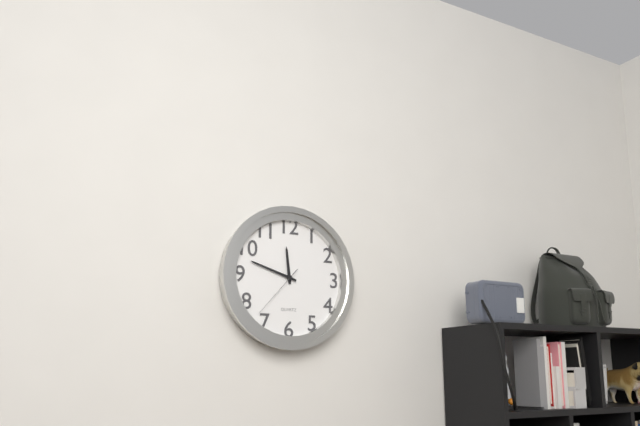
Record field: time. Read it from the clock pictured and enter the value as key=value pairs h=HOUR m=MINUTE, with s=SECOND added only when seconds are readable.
h=11 m=48 s=37
